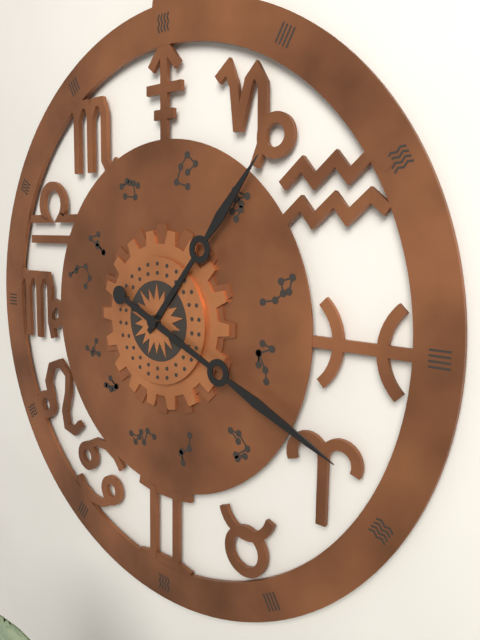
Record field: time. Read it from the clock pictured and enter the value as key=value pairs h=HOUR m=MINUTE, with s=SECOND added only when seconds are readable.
h=1 m=19
